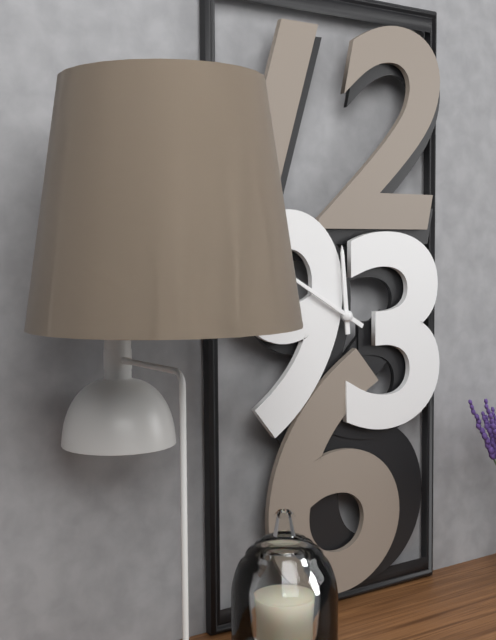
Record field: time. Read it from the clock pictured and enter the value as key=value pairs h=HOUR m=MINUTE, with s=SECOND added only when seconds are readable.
h=11 m=50
